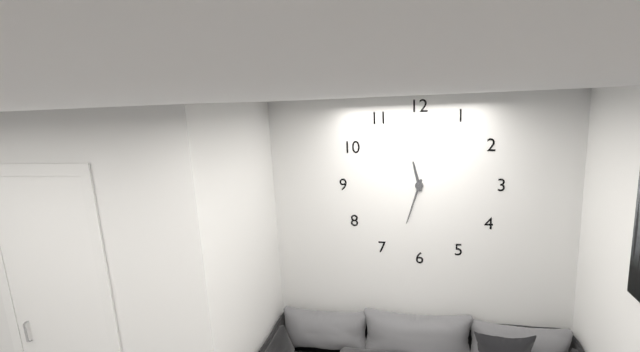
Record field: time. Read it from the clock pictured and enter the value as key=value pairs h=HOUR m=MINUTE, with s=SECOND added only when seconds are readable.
h=11 m=33
